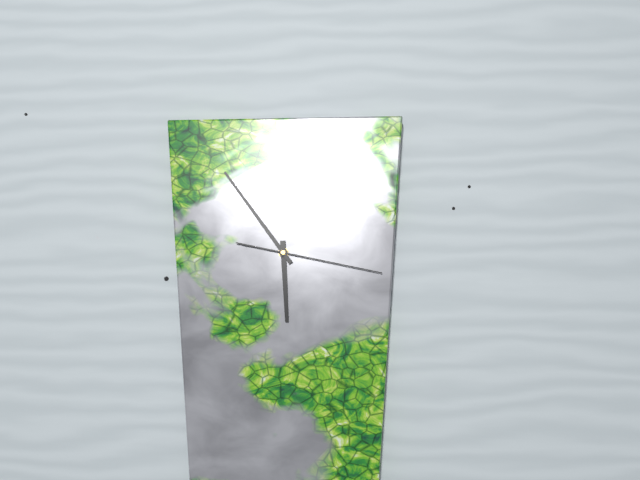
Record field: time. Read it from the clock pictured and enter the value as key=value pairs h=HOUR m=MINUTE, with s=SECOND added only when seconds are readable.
h=5 m=54 s=17
